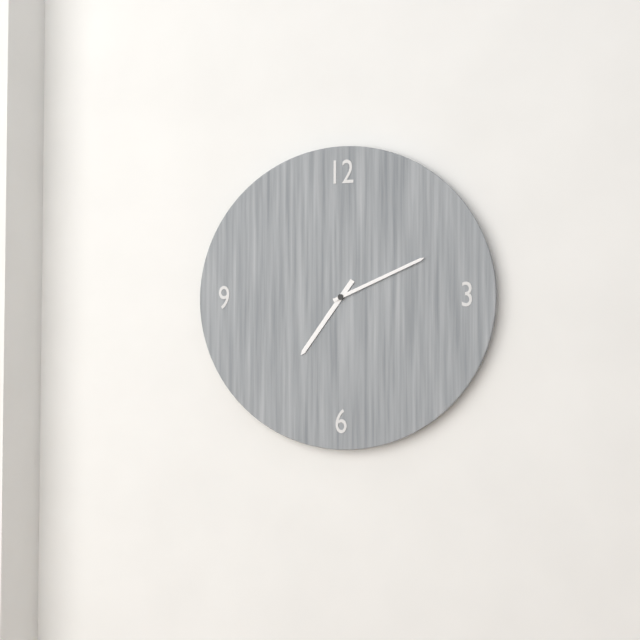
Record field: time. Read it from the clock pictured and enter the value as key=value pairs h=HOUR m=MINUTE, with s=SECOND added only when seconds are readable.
h=7 m=11
